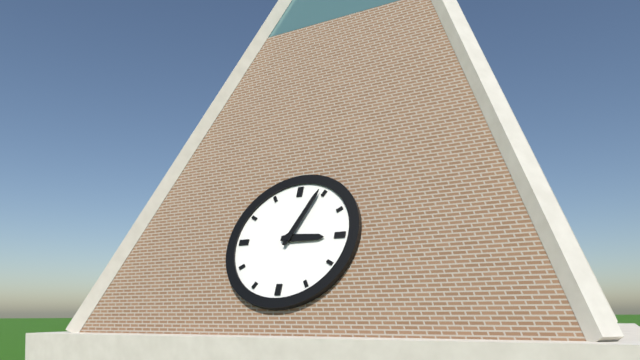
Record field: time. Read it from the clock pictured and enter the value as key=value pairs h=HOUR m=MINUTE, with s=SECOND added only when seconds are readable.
h=3 m=4
